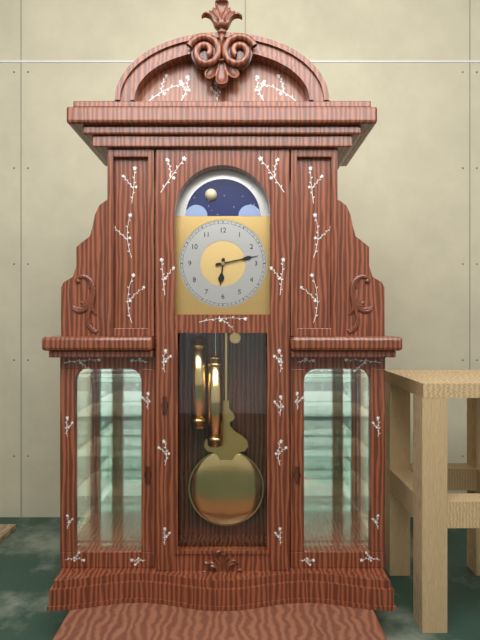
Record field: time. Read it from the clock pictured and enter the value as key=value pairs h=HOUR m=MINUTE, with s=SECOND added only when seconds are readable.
h=6 m=13
